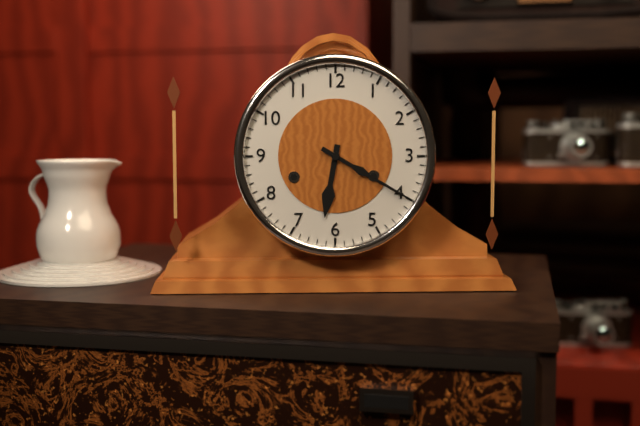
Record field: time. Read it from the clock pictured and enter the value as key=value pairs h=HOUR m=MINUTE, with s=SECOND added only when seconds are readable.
h=6 m=20
